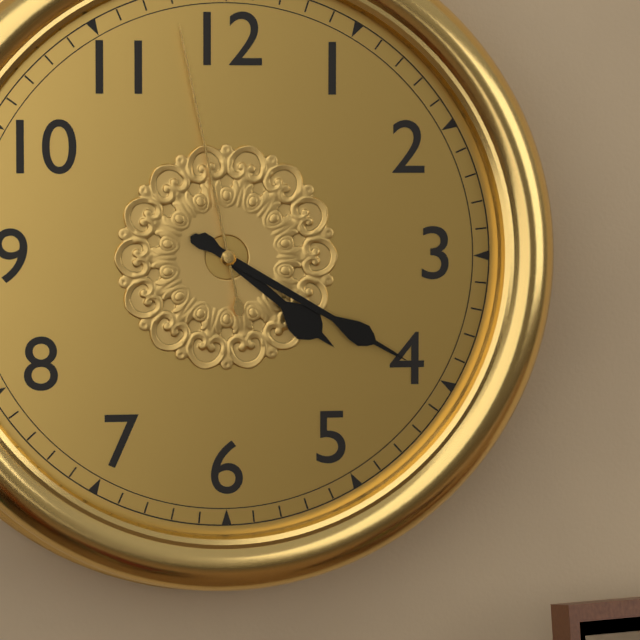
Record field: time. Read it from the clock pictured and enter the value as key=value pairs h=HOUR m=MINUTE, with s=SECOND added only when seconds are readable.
h=4 m=20 s=58
